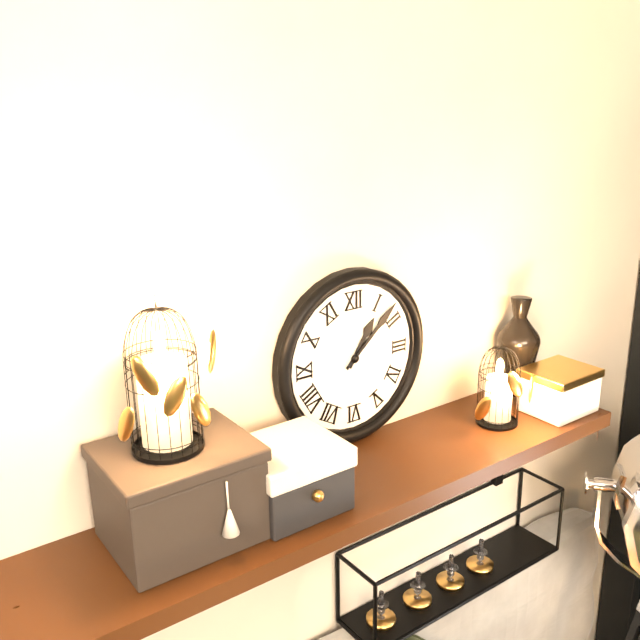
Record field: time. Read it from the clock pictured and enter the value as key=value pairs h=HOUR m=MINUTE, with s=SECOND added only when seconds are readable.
h=1 m=8
